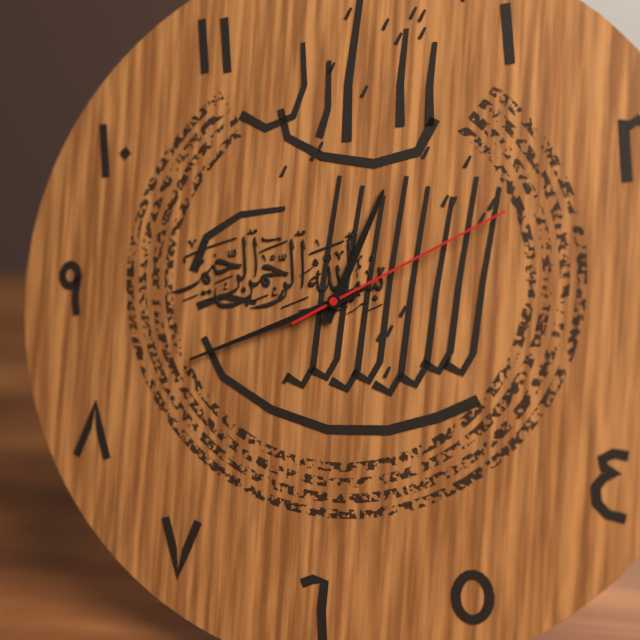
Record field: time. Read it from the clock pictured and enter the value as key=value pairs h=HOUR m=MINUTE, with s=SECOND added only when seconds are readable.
h=12 m=41 s=10
